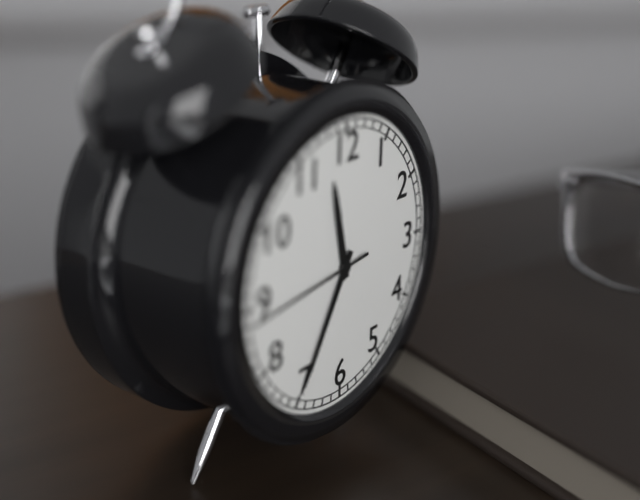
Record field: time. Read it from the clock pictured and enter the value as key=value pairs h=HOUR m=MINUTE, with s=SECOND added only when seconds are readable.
h=11 m=35 s=44
